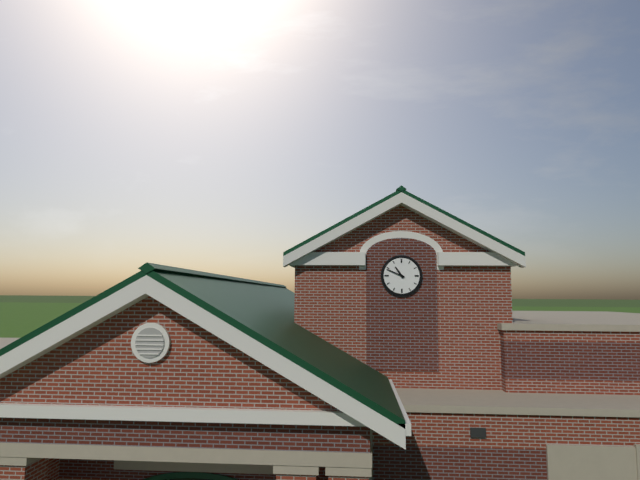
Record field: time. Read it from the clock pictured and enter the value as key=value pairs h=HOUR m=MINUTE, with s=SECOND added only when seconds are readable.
h=10 m=49
